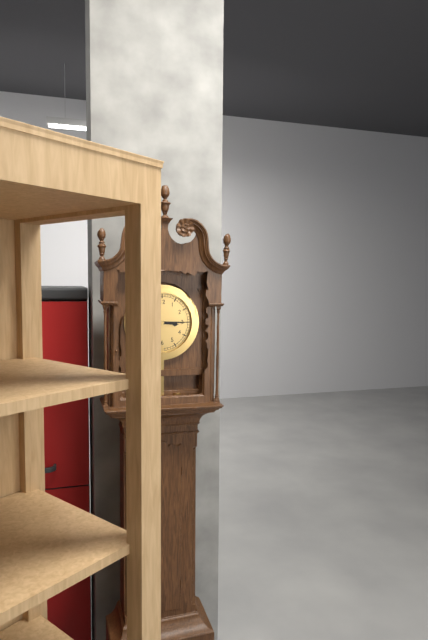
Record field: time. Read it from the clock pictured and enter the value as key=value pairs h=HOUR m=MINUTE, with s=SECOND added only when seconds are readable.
h=3 m=15
